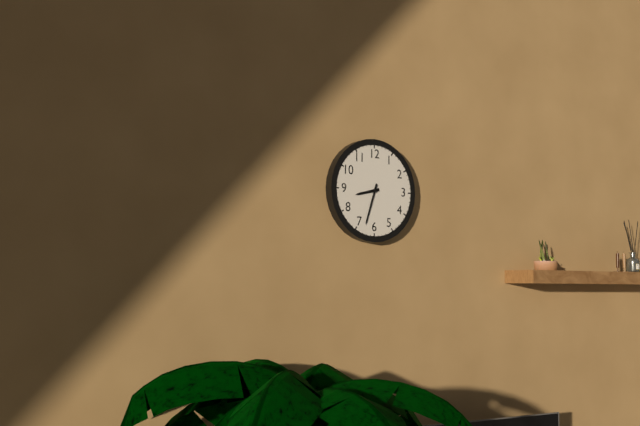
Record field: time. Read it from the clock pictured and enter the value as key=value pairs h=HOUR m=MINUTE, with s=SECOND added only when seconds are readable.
h=8 m=33
